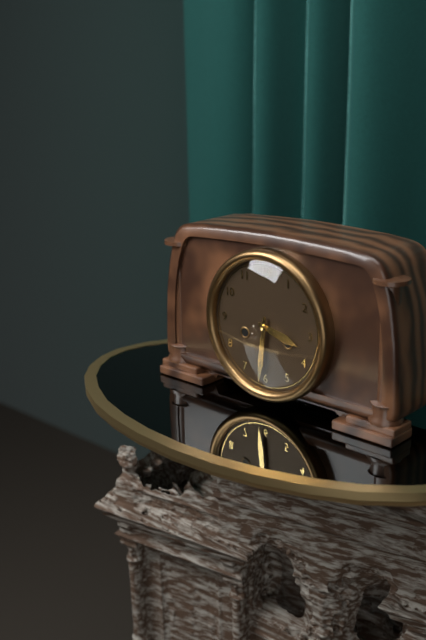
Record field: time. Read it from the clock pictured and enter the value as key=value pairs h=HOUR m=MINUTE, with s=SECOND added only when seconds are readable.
h=3 m=31
